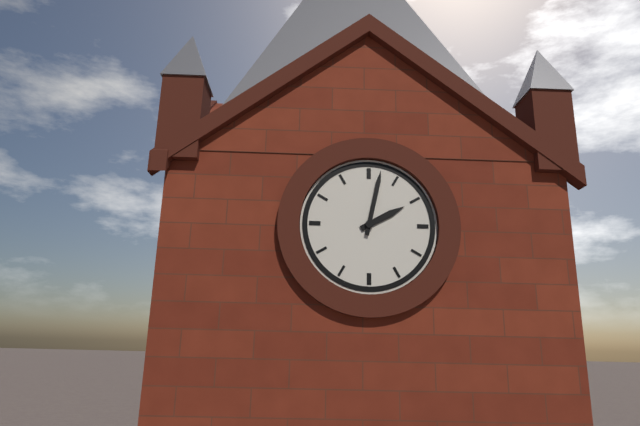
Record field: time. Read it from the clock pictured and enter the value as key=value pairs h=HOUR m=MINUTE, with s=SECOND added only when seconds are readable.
h=2 m=2
